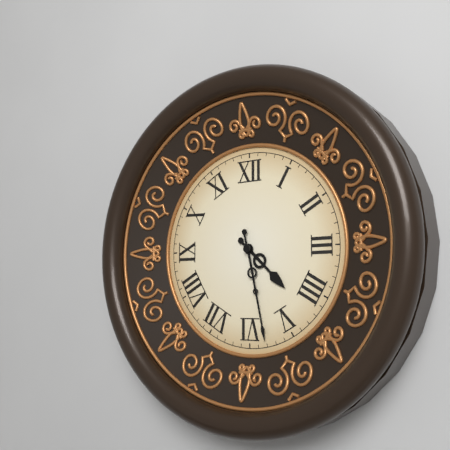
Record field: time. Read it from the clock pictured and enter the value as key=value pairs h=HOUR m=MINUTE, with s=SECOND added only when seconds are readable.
h=4 m=28
